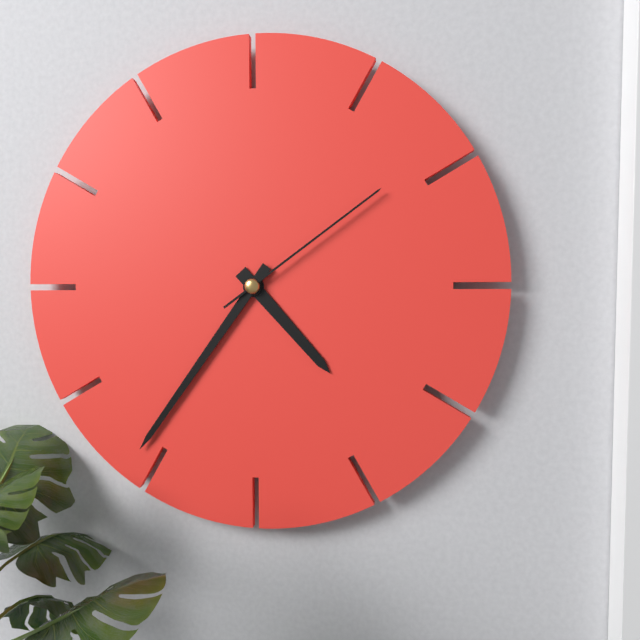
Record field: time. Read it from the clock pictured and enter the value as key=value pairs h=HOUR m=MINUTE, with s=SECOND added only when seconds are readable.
h=4 m=36 s=9
